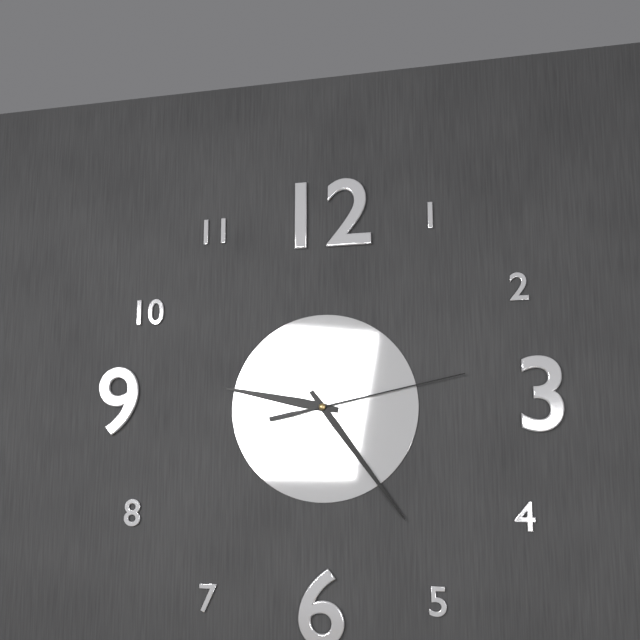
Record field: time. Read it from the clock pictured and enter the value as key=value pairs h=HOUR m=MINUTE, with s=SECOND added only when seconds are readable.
h=9 m=24 s=13
